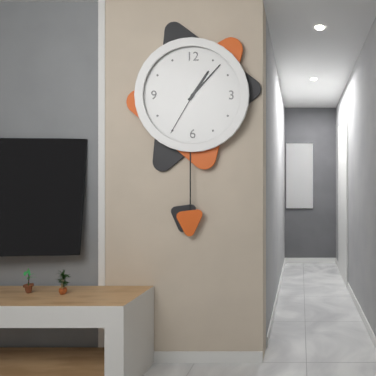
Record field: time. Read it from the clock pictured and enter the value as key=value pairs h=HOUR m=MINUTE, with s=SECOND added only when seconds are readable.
h=1 m=7 s=35
